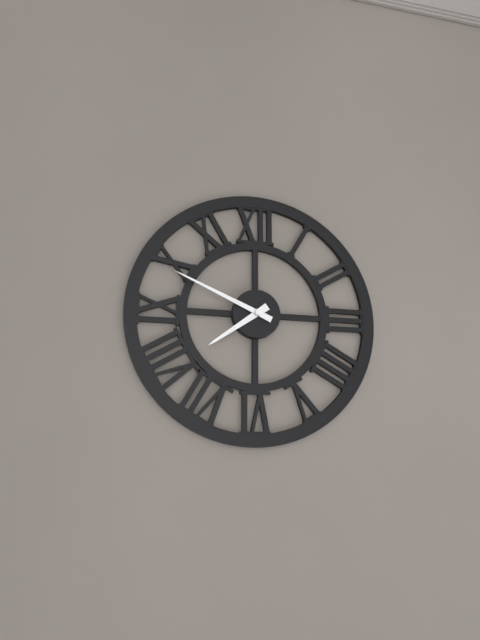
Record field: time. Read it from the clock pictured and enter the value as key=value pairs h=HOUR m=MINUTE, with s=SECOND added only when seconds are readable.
h=7 m=49
